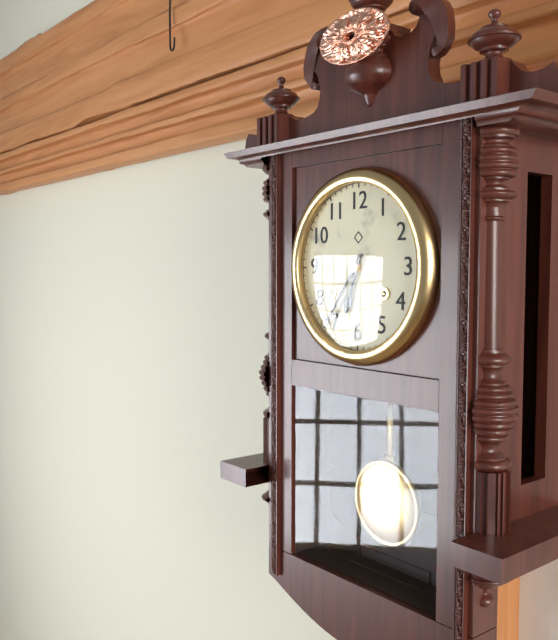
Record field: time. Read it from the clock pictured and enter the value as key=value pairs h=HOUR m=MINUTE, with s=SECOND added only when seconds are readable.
h=6 m=36
